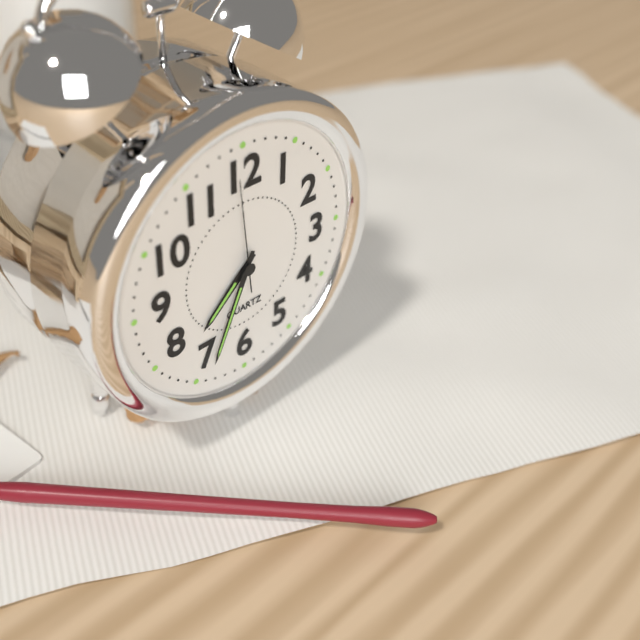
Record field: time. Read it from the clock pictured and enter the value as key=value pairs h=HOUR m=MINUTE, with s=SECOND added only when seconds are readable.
h=7 m=34 s=59
